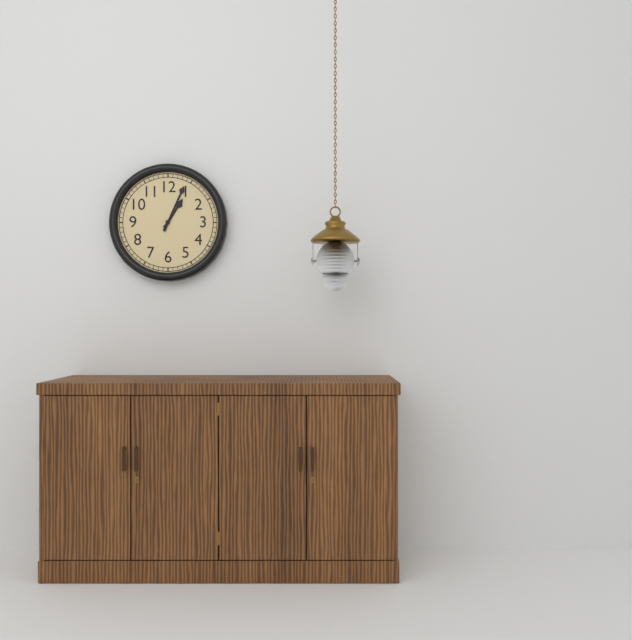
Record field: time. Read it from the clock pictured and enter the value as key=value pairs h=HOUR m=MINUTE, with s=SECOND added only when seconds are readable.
h=1 m=4
